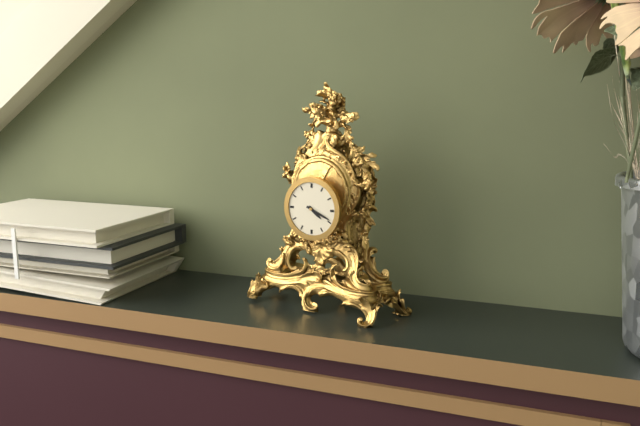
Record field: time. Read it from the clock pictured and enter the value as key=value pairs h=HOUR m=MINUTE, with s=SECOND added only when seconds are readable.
h=4 m=19
